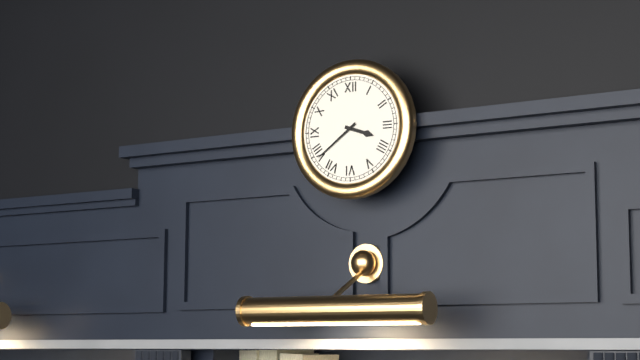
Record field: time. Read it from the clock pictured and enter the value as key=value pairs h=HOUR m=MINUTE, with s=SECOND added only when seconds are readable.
h=3 m=39
